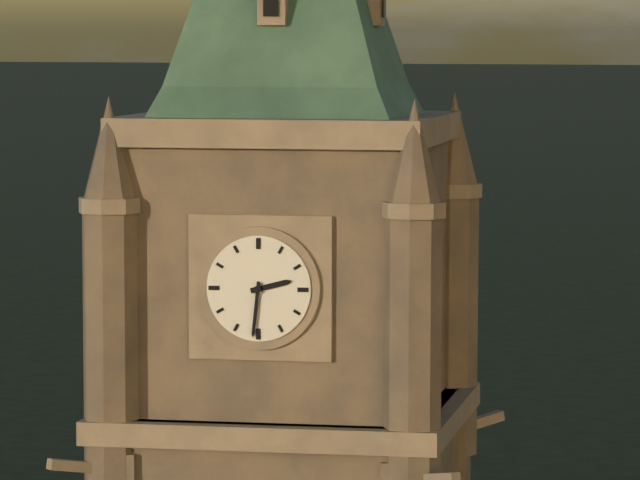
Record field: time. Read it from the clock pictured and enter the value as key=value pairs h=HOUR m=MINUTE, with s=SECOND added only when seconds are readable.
h=2 m=31
